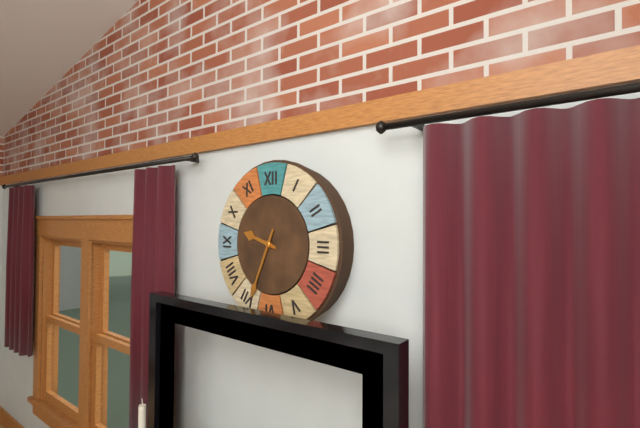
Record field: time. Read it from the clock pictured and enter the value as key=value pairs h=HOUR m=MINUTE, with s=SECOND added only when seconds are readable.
h=9 m=34
